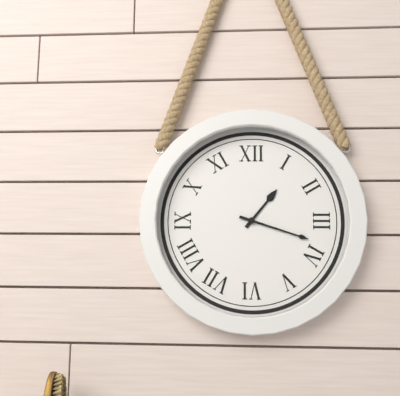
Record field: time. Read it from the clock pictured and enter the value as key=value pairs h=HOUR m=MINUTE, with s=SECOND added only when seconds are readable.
h=1 m=18
